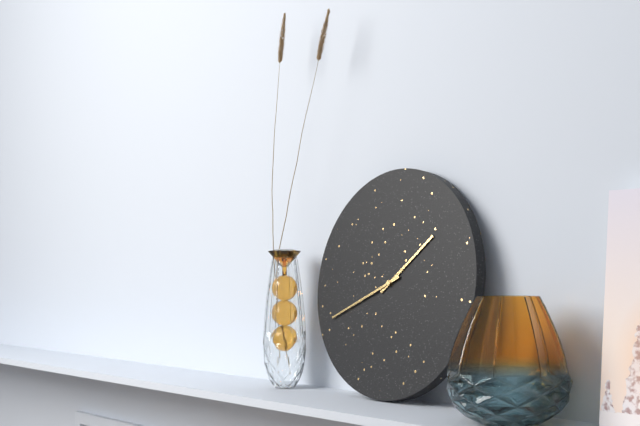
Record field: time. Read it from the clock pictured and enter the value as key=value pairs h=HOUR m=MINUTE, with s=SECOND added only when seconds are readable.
h=1 m=41
